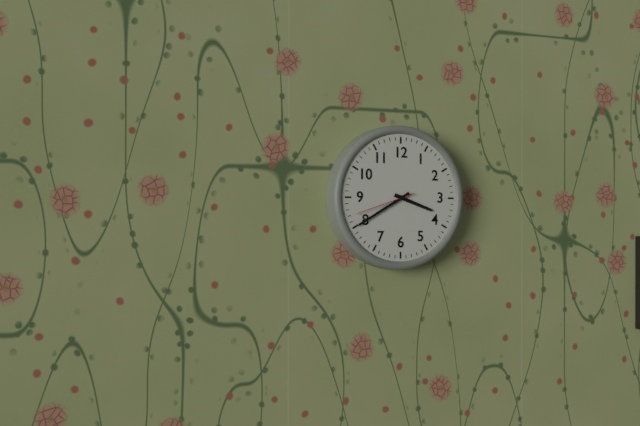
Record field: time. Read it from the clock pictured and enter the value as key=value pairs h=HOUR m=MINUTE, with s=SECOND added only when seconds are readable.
h=3 m=40 s=42
